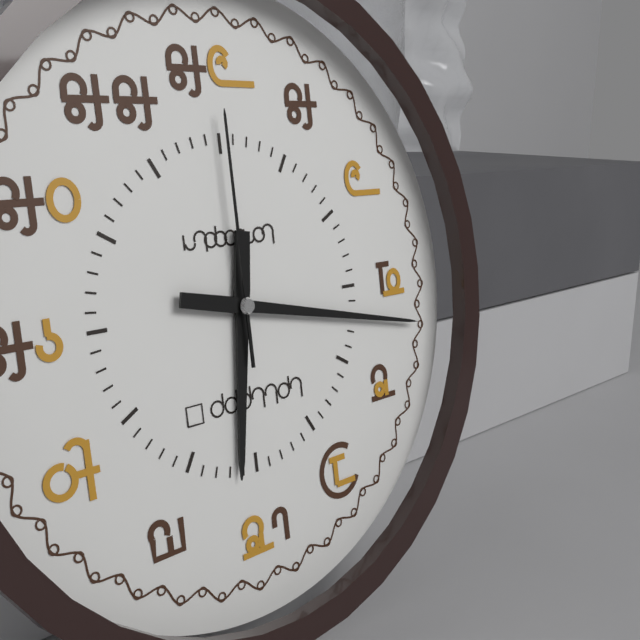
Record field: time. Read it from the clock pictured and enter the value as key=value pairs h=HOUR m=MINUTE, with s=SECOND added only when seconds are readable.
h=6 m=17 s=0
